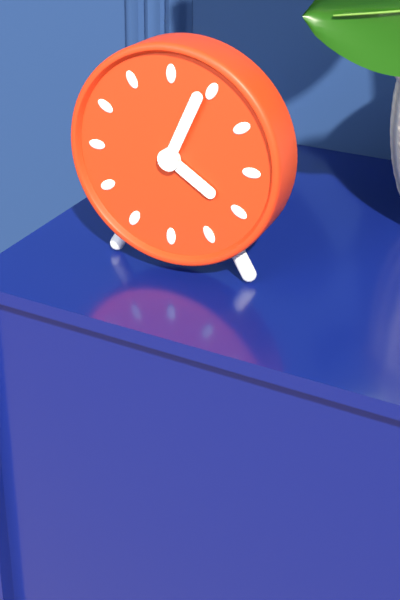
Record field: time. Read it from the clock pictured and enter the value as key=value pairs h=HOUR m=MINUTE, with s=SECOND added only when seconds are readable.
h=4 m=4
